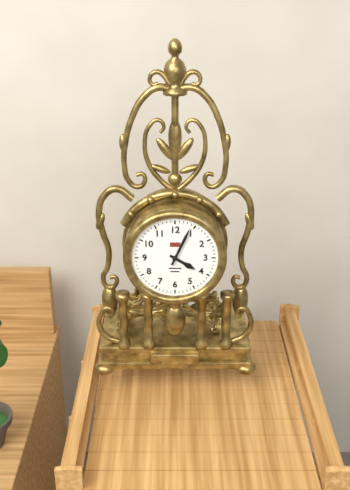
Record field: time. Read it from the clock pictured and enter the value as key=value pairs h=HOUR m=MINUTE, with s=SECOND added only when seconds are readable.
h=4 m=4
